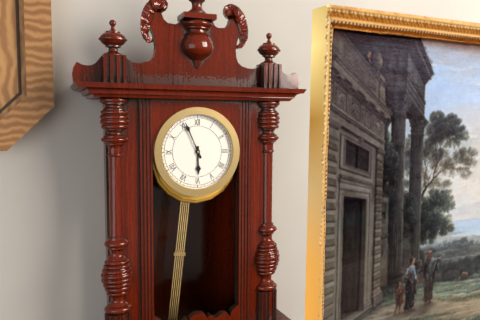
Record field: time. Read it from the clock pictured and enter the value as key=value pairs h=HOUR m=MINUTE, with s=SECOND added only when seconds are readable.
h=5 m=56
